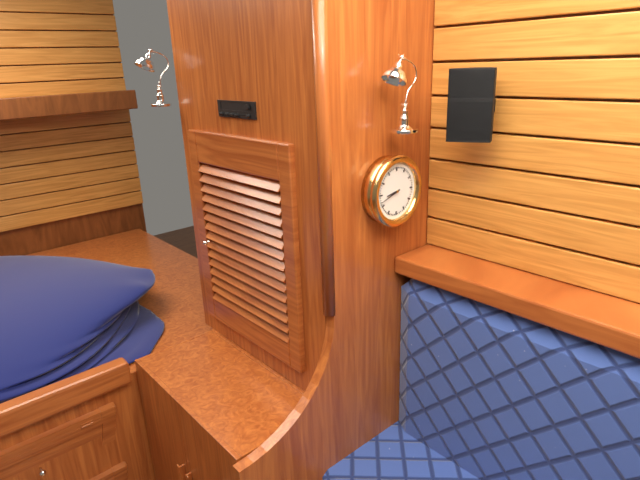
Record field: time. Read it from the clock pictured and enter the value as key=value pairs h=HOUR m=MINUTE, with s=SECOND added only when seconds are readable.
h=8 m=42
